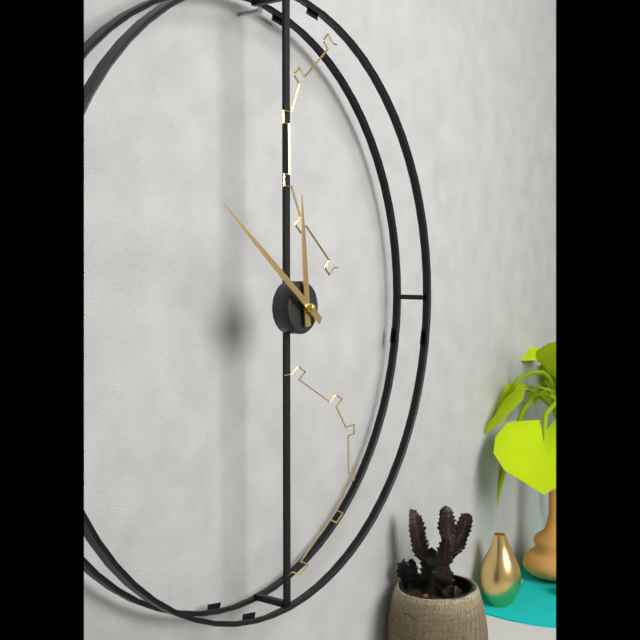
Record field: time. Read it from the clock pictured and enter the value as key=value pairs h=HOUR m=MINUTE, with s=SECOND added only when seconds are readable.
h=11 m=51
